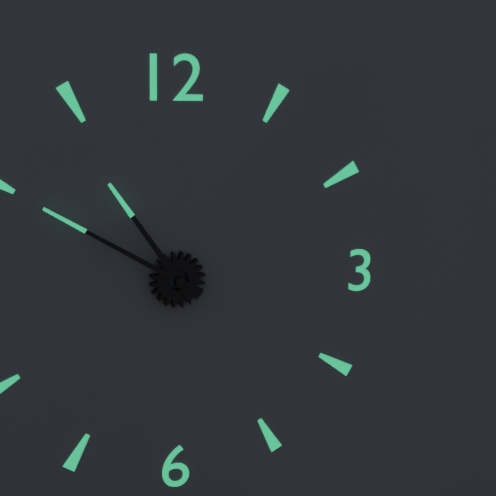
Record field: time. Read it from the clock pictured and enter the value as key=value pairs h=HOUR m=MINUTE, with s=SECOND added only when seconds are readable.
h=10 m=50
